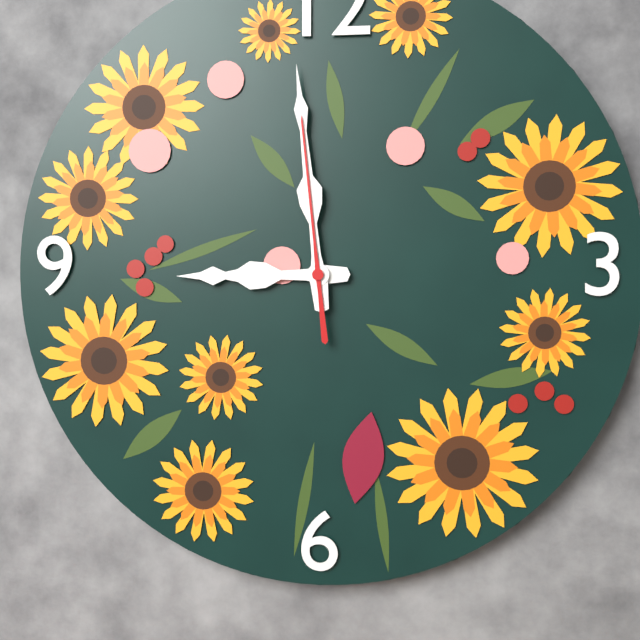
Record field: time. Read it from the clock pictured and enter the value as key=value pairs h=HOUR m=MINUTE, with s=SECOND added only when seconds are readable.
h=8 m=59 s=59
